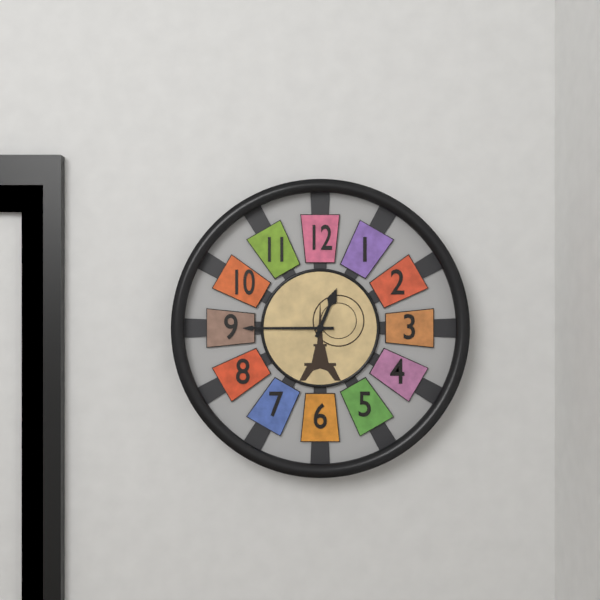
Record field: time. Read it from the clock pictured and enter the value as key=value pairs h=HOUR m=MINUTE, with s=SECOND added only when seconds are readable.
h=12 m=45
